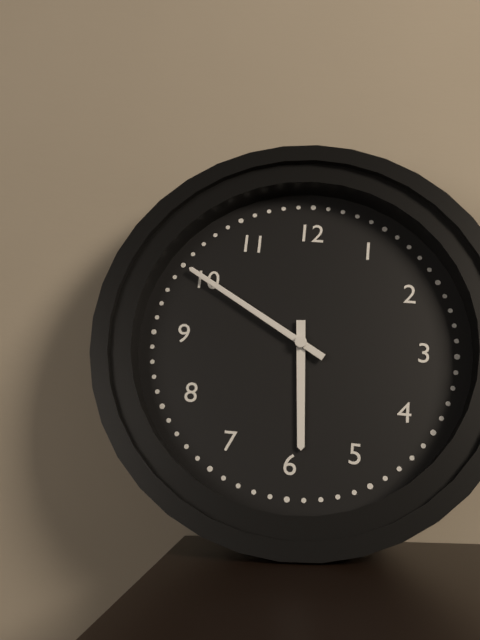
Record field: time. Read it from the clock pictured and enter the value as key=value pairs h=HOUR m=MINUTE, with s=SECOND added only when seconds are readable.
h=5 m=50
